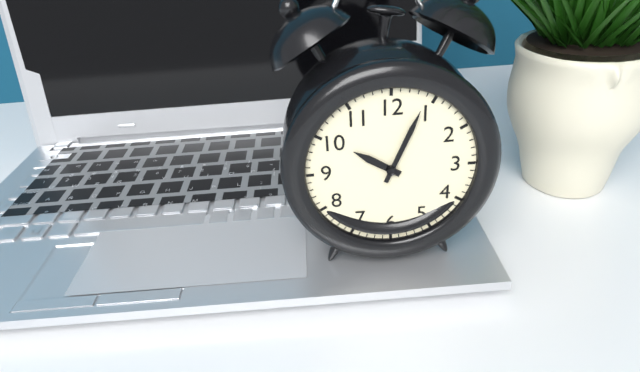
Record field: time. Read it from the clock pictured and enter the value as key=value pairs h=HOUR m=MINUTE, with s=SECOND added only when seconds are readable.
h=10 m=4
